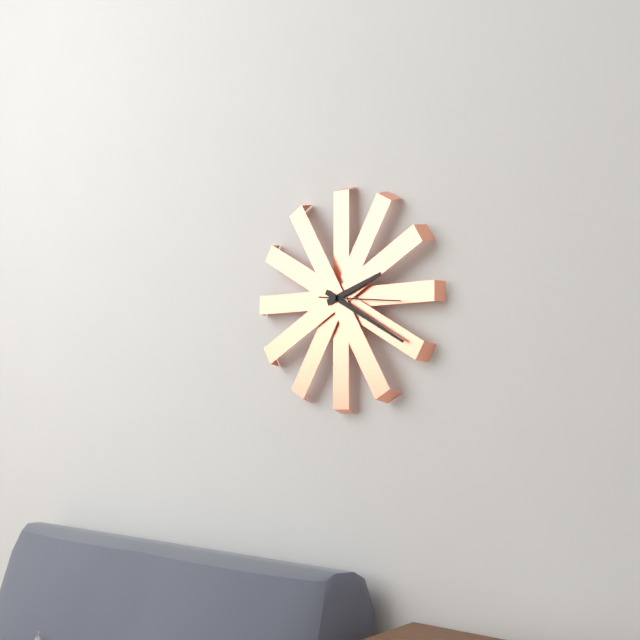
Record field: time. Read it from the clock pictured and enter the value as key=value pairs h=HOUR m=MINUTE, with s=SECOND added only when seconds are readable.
h=2 m=20 s=16
